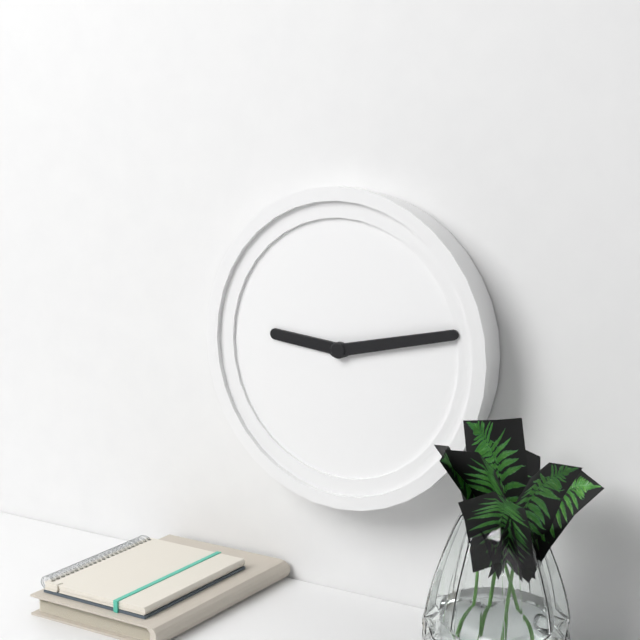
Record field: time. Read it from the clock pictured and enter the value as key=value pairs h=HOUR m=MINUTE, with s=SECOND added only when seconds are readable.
h=9 m=13
